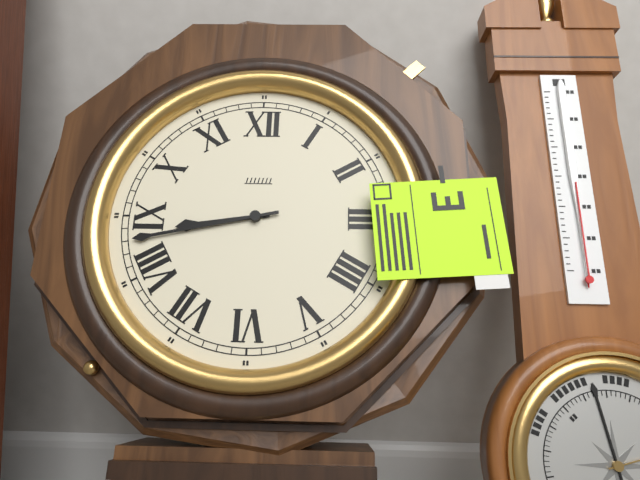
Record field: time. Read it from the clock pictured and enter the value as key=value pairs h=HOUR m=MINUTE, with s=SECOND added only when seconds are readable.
h=8 m=43
